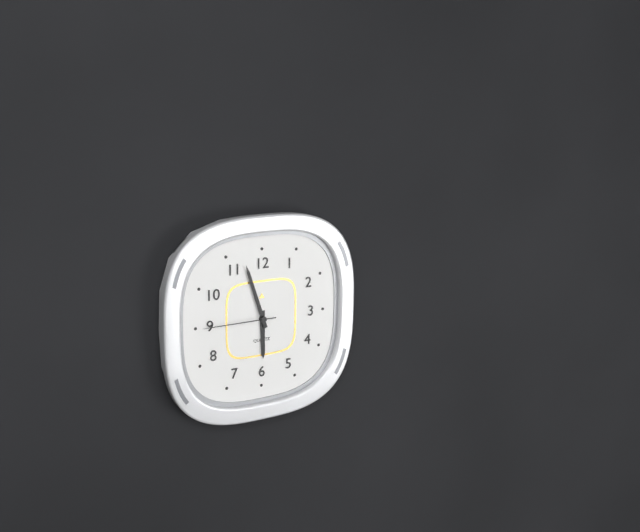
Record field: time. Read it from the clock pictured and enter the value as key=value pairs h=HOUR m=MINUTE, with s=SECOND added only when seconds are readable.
h=5 m=57 s=45
